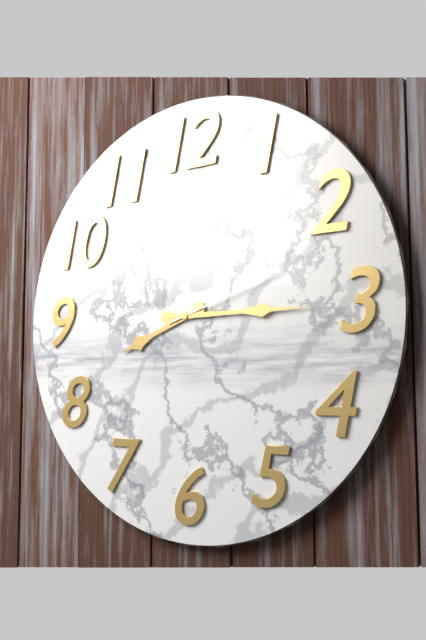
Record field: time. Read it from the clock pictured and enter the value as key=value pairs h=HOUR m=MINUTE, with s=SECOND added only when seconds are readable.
h=8 m=15 s=12
